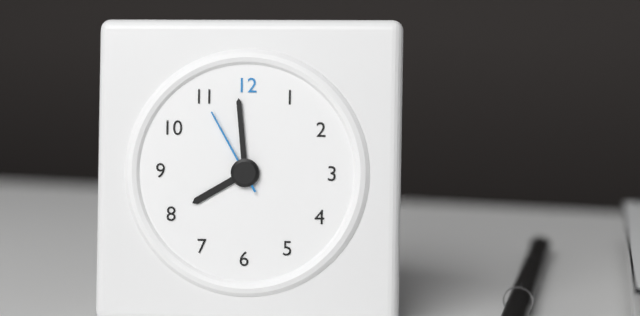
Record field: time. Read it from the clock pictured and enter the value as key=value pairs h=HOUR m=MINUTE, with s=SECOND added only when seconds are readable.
h=7 m=59 s=55
